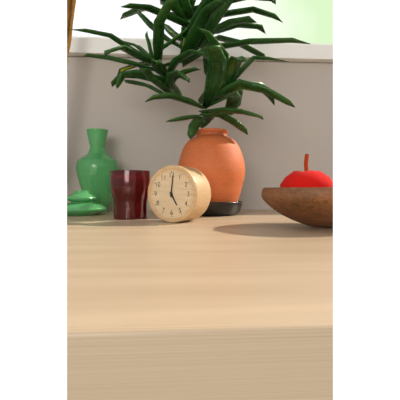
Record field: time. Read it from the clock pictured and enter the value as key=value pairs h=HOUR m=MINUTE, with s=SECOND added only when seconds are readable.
h=5 m=1
